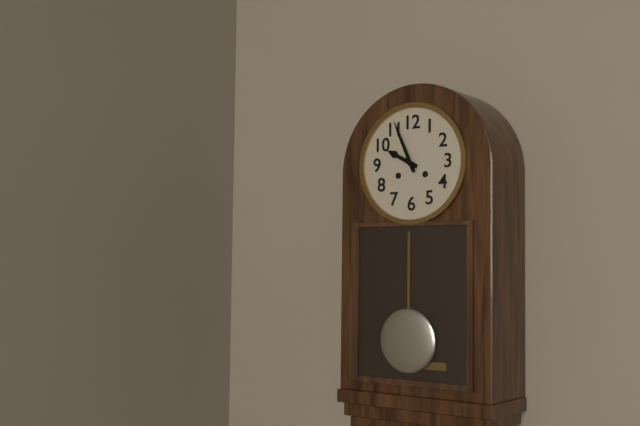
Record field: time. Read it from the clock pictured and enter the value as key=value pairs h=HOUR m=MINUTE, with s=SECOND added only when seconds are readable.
h=9 m=56
